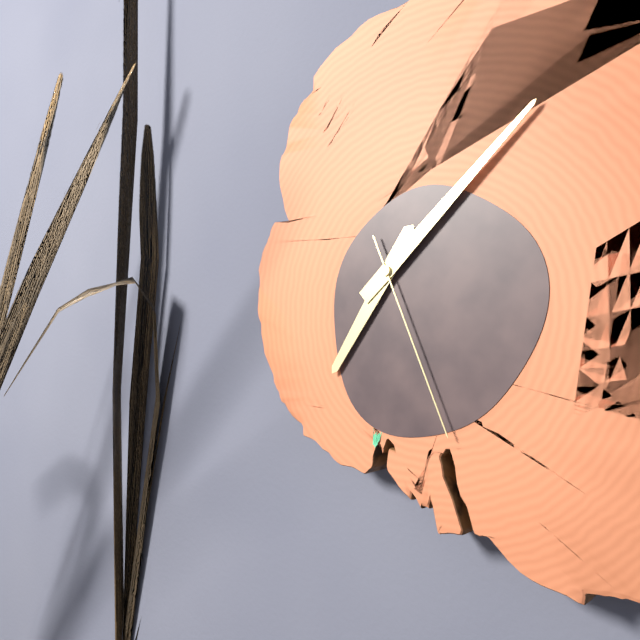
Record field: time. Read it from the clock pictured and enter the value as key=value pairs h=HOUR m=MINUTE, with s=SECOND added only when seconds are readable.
h=7 m=8 s=26
